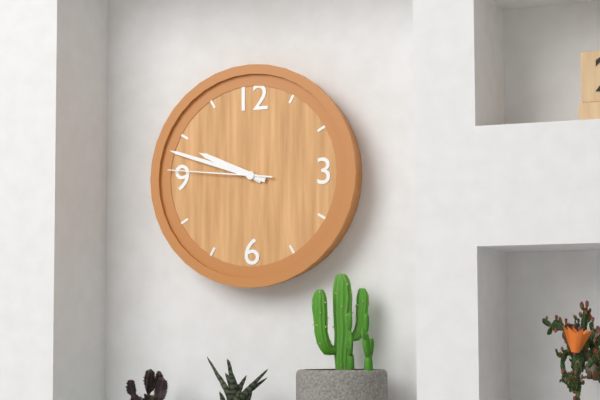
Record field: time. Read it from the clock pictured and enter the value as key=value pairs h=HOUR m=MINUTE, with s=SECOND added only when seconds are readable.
h=9 m=48 s=46
